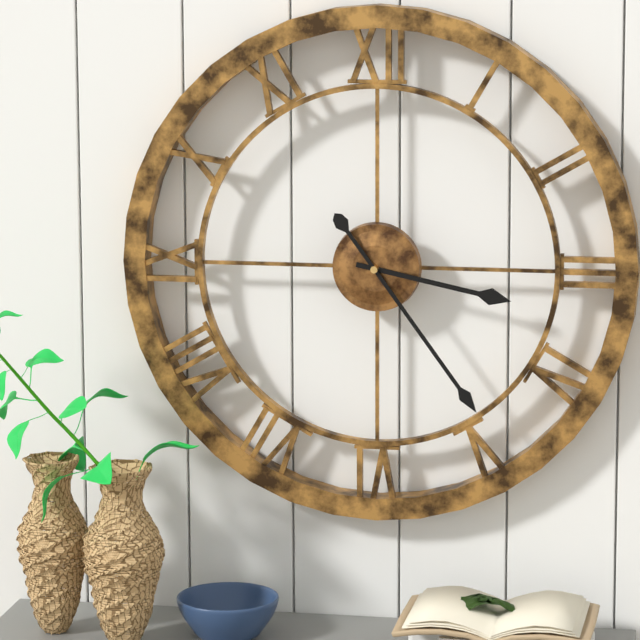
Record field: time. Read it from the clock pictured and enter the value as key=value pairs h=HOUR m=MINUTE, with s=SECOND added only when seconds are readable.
h=3 m=24
